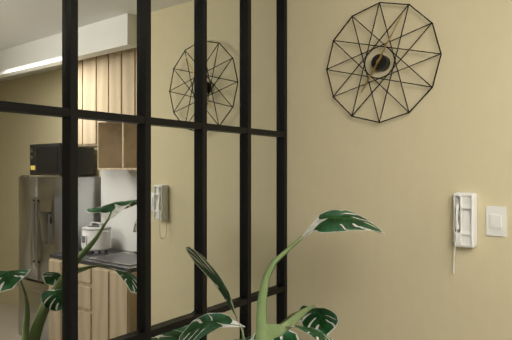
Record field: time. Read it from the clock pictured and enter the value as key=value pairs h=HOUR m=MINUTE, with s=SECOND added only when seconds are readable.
h=7 m=5
